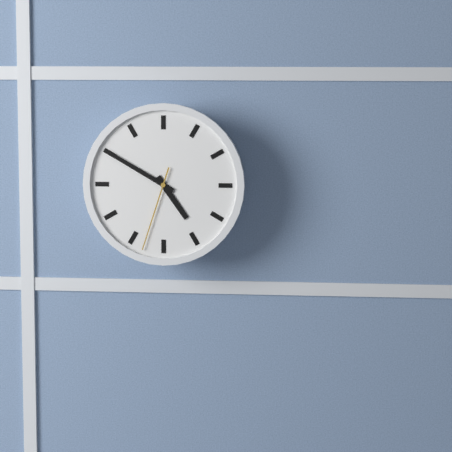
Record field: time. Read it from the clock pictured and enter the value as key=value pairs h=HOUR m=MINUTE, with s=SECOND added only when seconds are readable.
h=4 m=50 s=33
